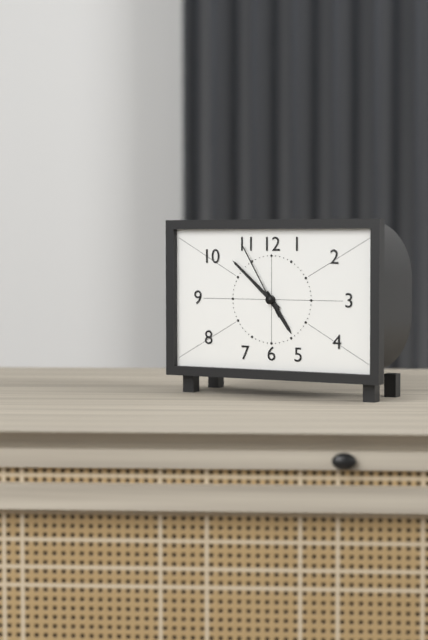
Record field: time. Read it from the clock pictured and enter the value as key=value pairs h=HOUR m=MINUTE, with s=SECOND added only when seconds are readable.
h=4 m=52 s=55
